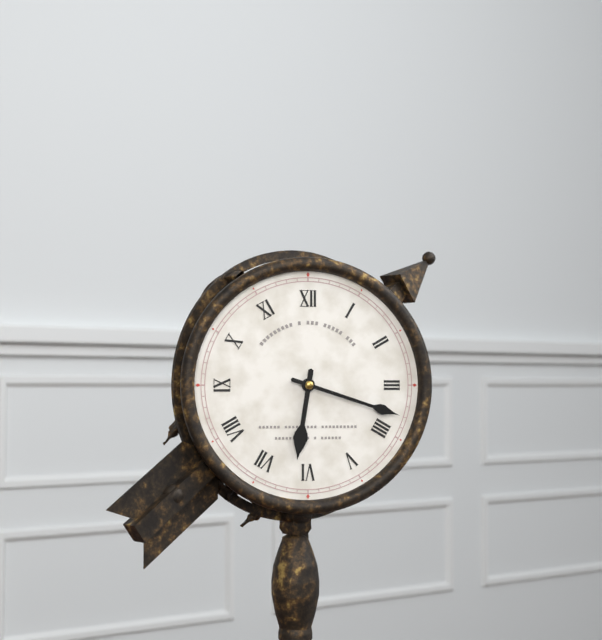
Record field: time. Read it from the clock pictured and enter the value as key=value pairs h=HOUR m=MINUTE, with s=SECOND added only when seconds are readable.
h=6 m=18
